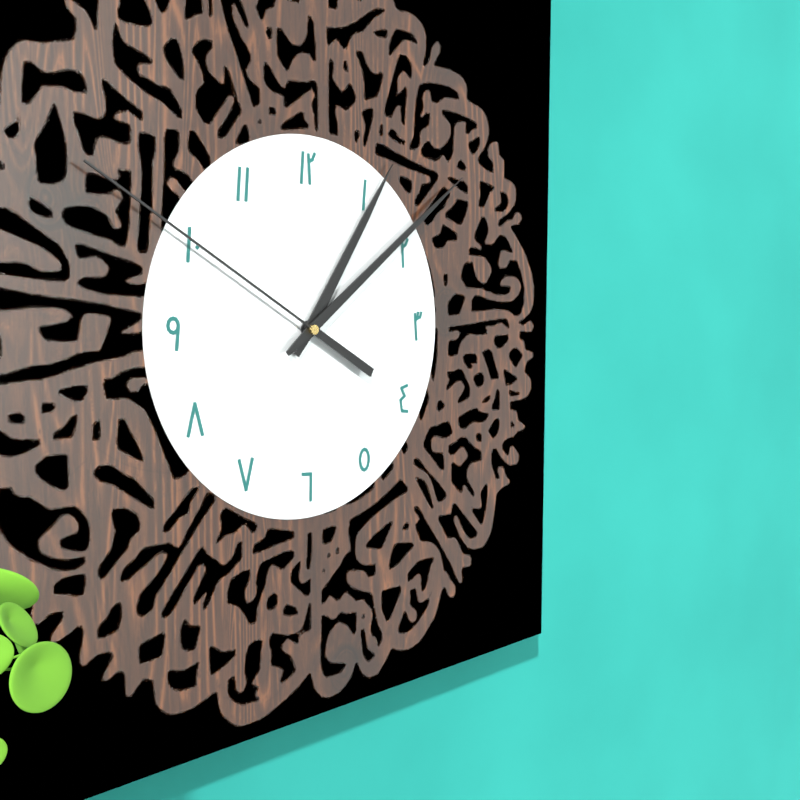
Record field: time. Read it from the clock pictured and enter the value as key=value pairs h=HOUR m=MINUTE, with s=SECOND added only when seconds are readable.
h=1 m=9 s=50
